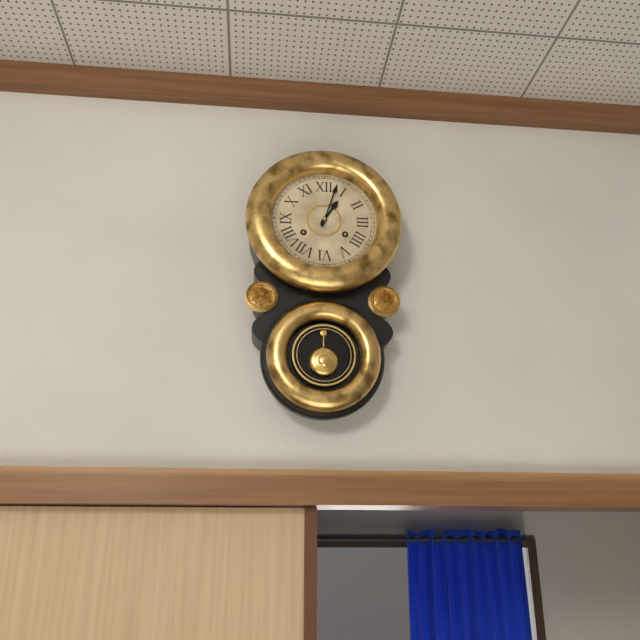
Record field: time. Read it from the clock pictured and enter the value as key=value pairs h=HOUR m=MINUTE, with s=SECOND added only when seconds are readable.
h=1 m=3
